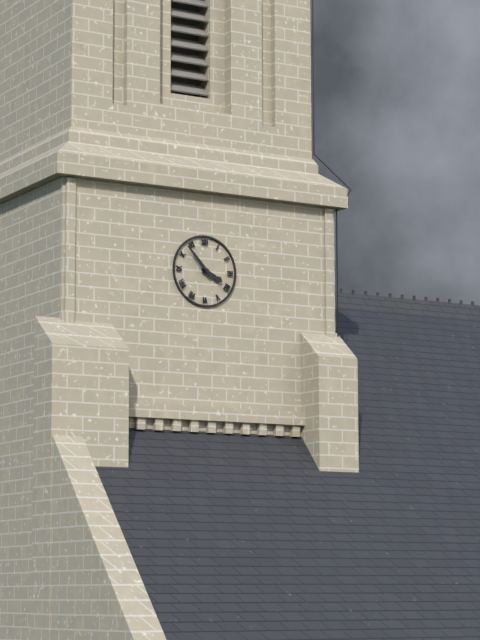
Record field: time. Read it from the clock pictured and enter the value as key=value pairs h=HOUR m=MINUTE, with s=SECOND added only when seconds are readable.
h=3 m=53
